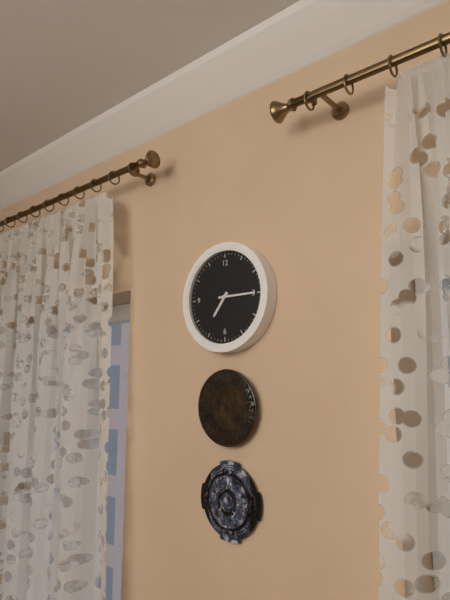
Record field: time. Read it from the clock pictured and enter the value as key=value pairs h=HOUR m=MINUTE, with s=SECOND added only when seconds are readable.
h=7 m=15
